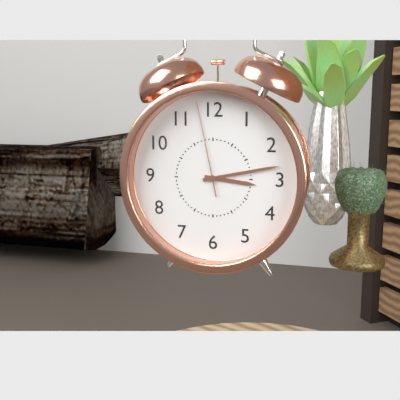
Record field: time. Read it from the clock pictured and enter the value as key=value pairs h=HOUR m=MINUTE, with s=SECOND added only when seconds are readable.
h=3 m=13 s=58
